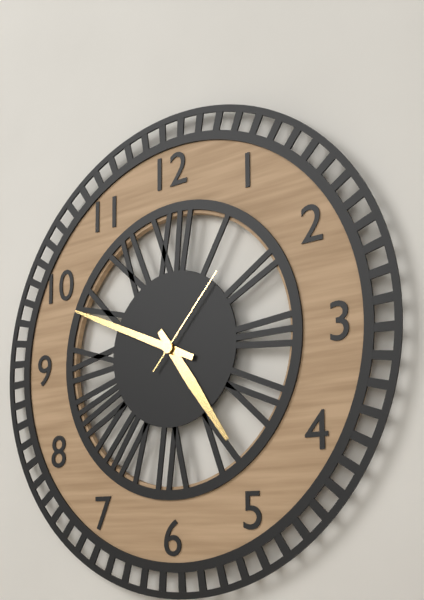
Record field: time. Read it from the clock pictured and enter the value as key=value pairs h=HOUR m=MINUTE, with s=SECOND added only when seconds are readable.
h=4 m=49 s=7
